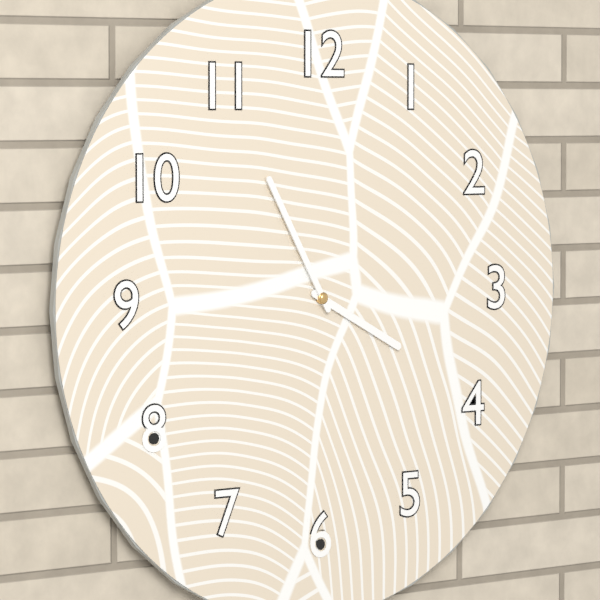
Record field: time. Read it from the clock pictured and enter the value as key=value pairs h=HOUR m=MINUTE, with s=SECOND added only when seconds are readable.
h=3 m=55
